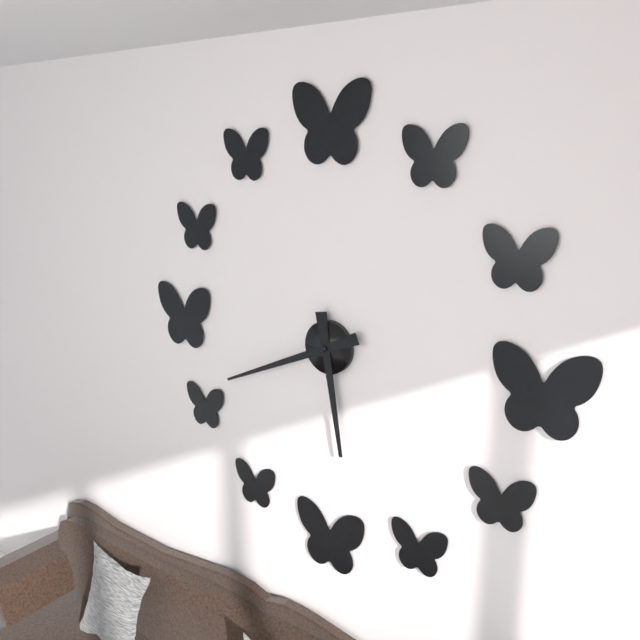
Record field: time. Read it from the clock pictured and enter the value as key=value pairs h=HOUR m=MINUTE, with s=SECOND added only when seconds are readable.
h=5 m=41
